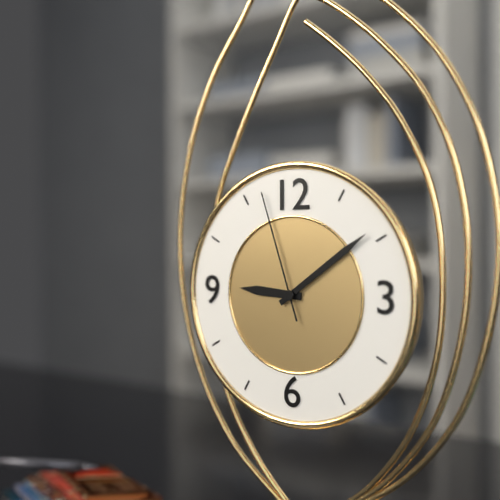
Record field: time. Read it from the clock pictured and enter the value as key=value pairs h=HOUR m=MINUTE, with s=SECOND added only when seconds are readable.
h=9 m=9 s=57
